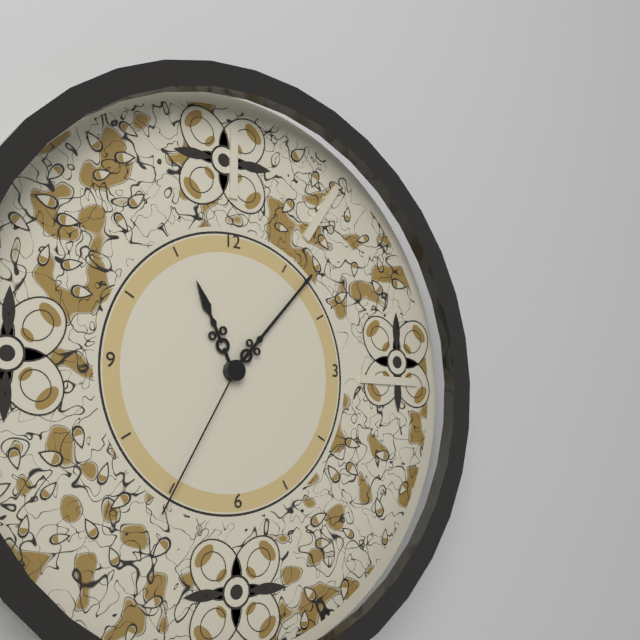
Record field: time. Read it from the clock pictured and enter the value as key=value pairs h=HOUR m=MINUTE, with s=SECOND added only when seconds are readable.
h=11 m=7 s=35
